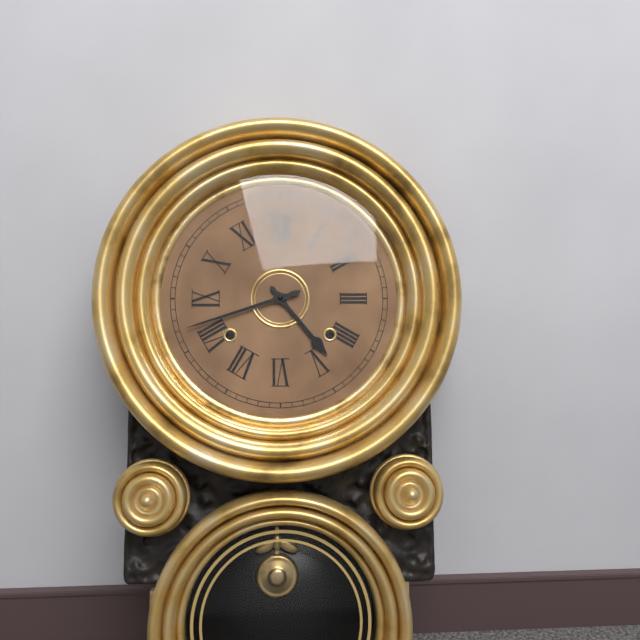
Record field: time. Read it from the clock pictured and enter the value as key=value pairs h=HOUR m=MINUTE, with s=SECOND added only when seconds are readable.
h=4 m=42
